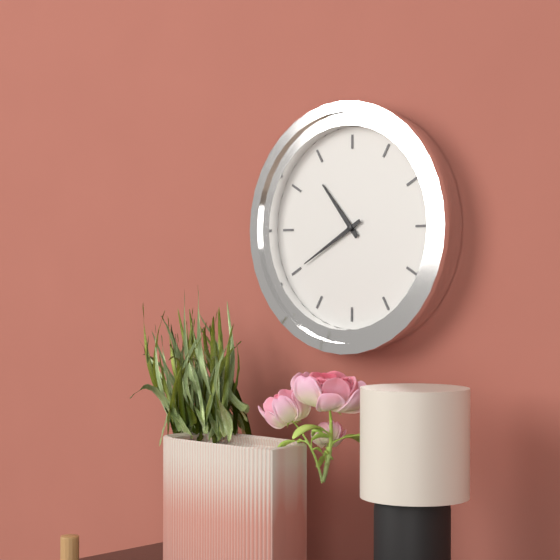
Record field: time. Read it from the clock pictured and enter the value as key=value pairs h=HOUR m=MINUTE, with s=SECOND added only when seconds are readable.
h=10 m=40
